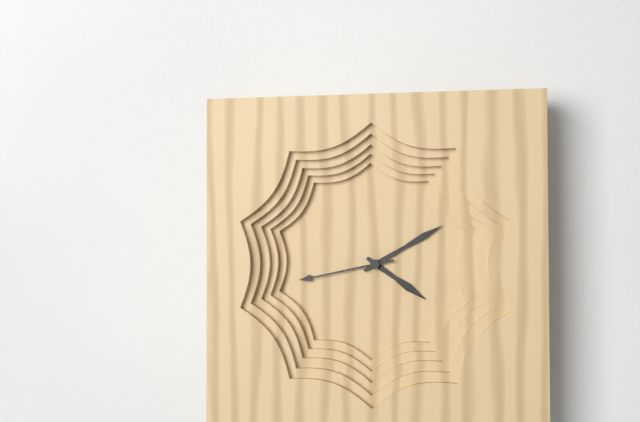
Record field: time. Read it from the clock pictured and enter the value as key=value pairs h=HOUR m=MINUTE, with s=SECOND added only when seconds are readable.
h=4 m=10 s=43
